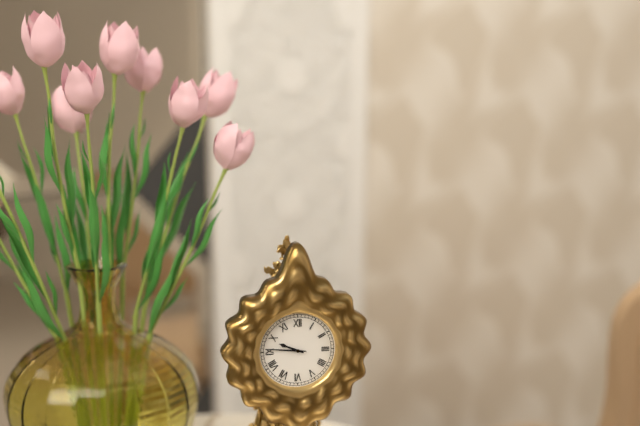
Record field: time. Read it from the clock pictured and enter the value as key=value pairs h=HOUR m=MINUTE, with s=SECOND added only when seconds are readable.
h=9 m=46
